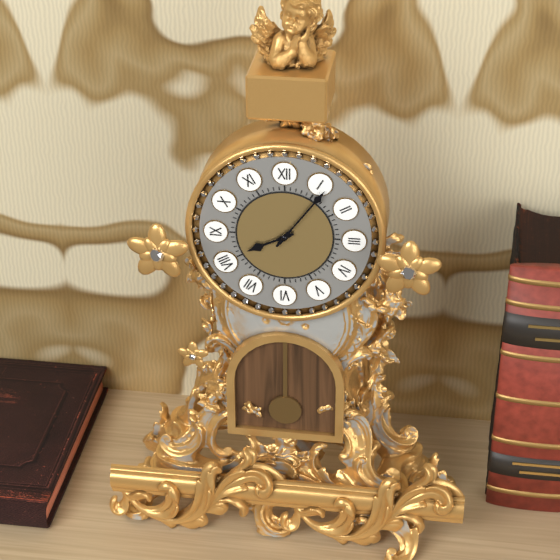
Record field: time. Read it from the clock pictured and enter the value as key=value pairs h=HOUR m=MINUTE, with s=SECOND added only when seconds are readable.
h=8 m=6
